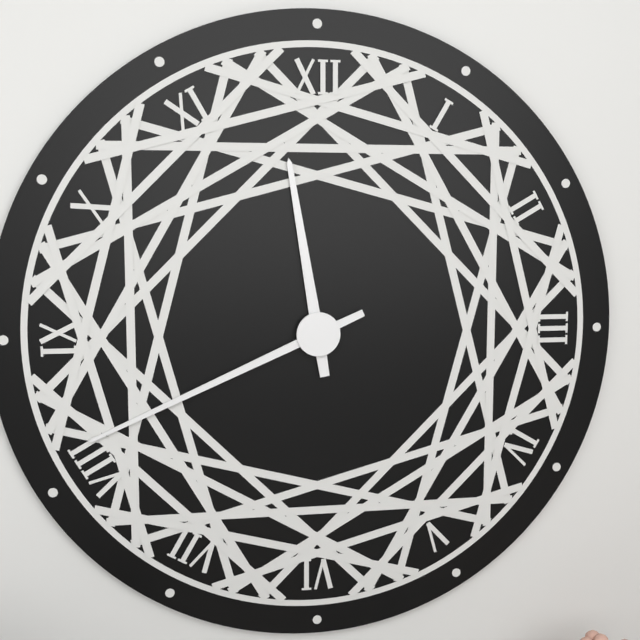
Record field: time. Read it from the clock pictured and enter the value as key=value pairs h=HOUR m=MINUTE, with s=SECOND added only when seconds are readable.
h=11 m=41
